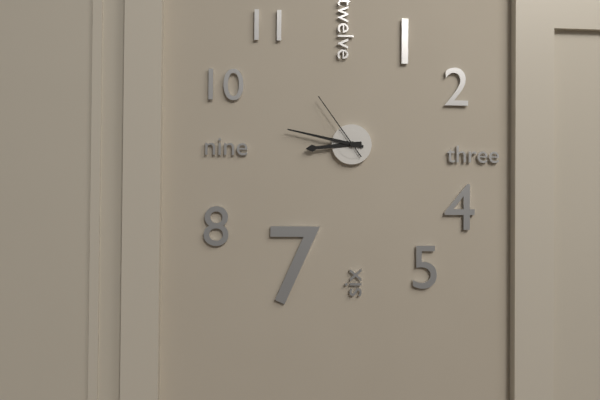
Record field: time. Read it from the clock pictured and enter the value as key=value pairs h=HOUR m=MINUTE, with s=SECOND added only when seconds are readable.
h=8 m=47 s=54
